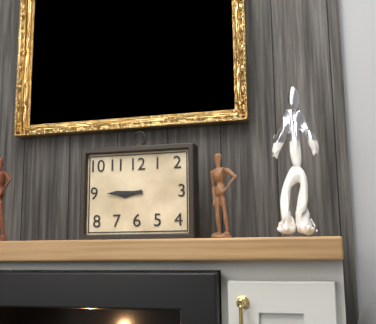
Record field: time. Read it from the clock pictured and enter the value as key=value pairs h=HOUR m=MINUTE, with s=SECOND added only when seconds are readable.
h=8 m=45
